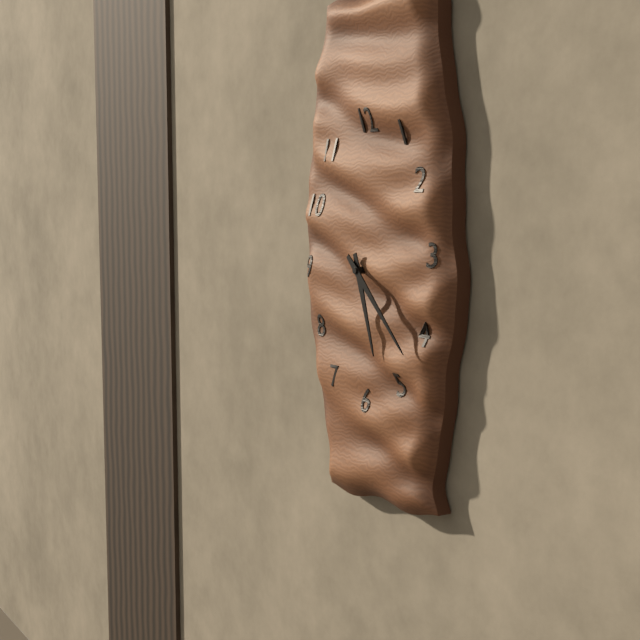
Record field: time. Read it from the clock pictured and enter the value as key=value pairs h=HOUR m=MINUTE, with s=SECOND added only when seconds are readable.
h=5 m=22
